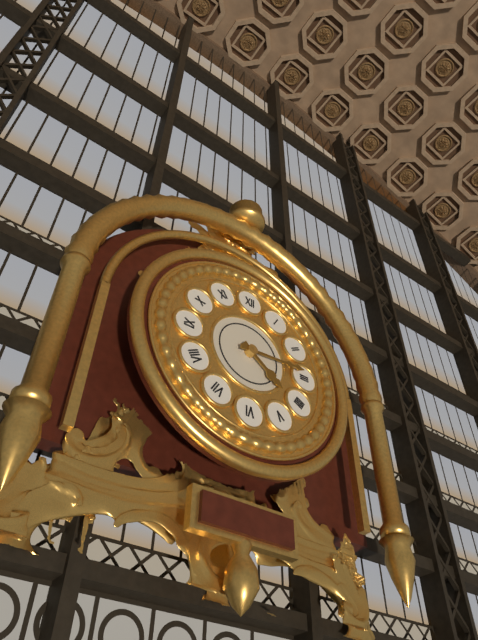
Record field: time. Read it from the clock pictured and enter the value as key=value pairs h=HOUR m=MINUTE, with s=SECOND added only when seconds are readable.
h=4 m=14
